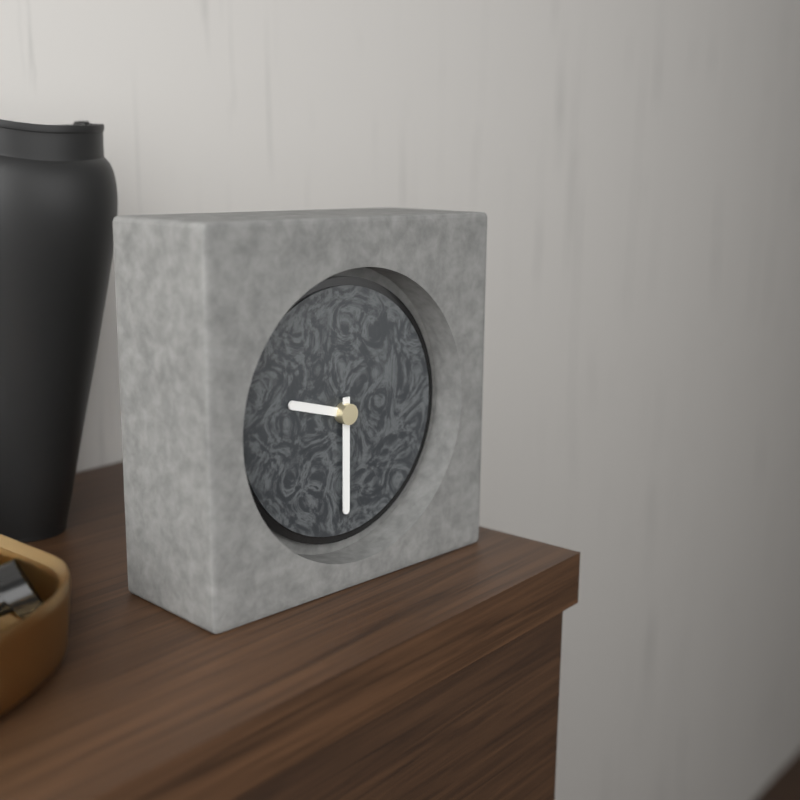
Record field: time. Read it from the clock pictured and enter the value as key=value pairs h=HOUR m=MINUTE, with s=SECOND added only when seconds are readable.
h=9 m=30
